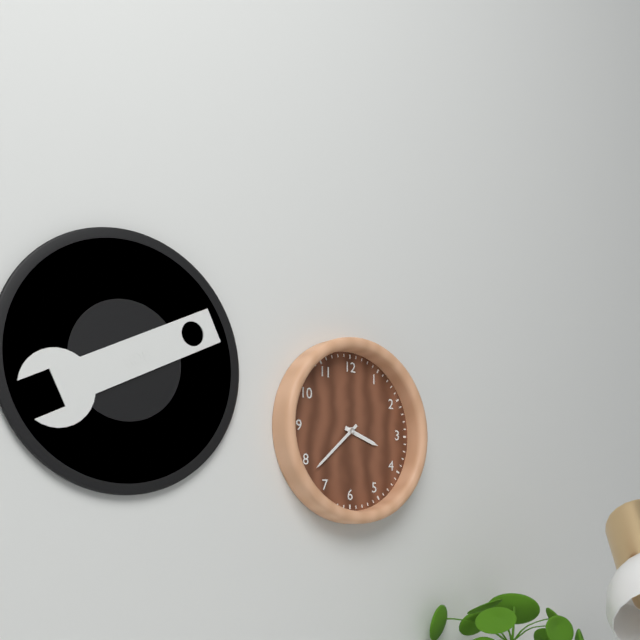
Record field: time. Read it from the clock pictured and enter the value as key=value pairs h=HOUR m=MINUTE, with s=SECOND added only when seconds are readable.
h=3 m=38
